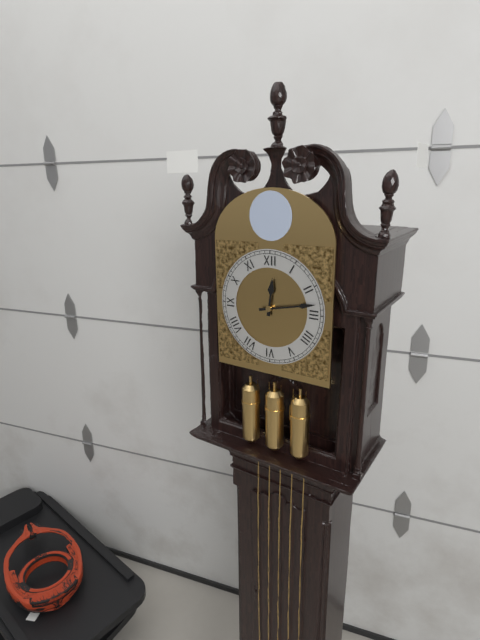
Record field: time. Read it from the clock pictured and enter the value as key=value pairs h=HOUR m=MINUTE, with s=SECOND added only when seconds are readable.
h=12 m=13
